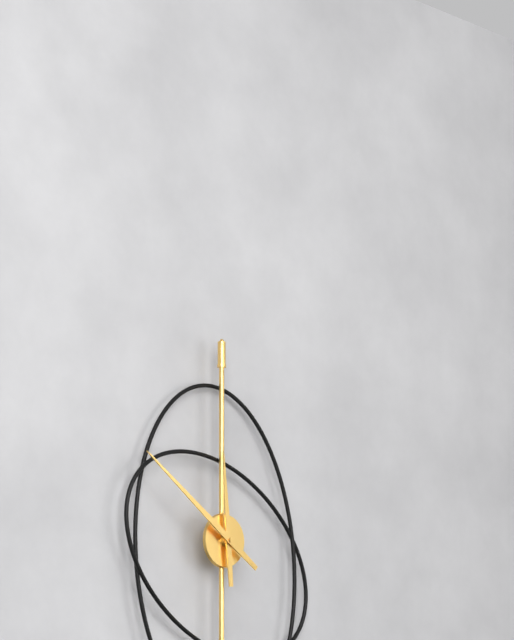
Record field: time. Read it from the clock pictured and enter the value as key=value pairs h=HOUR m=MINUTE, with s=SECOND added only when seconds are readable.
h=11 m=51
